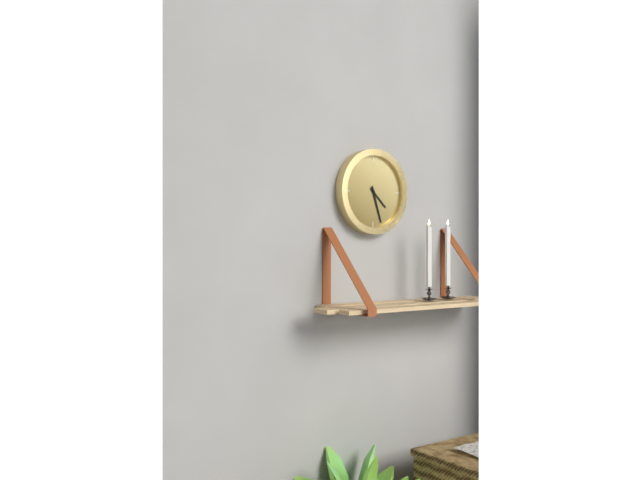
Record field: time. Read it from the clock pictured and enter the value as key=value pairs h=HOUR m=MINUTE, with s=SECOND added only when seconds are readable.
h=4 m=27
